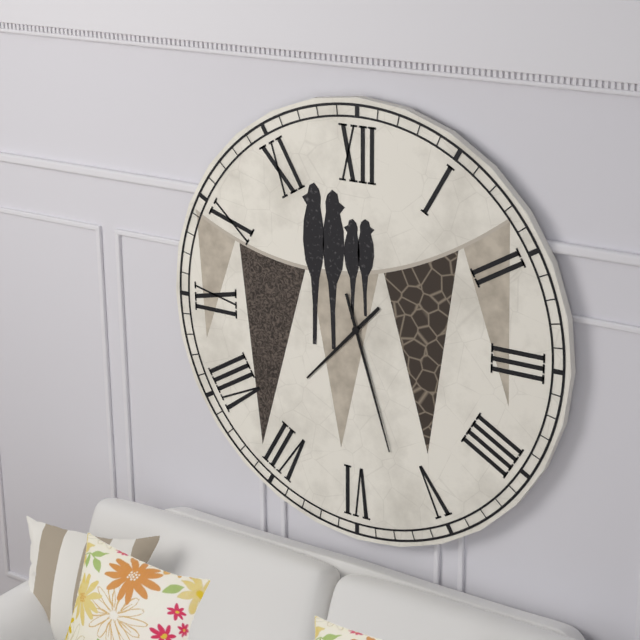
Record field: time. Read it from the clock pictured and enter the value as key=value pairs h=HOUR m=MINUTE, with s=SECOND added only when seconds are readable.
h=7 m=27
